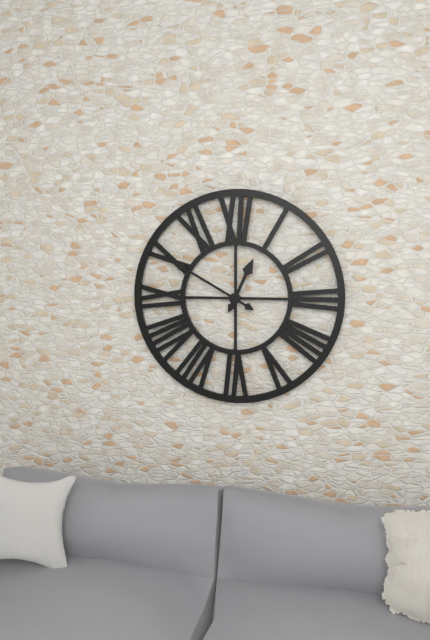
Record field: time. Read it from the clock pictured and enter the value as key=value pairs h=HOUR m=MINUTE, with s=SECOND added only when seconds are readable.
h=12 m=50
